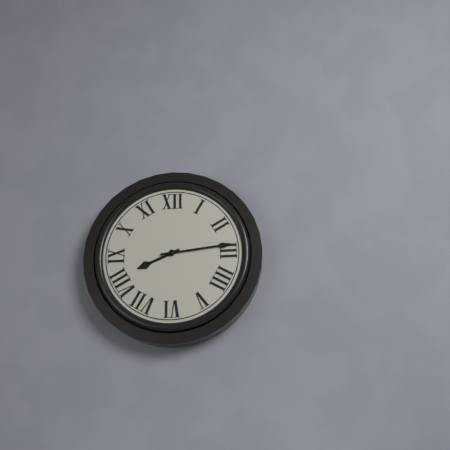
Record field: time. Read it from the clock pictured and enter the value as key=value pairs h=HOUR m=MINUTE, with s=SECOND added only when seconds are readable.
h=8 m=14
